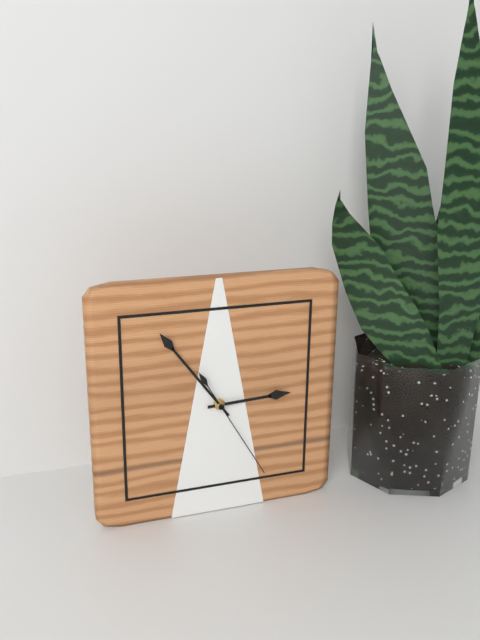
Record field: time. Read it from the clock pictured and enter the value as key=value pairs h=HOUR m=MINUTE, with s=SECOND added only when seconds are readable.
h=2 m=54 s=25
